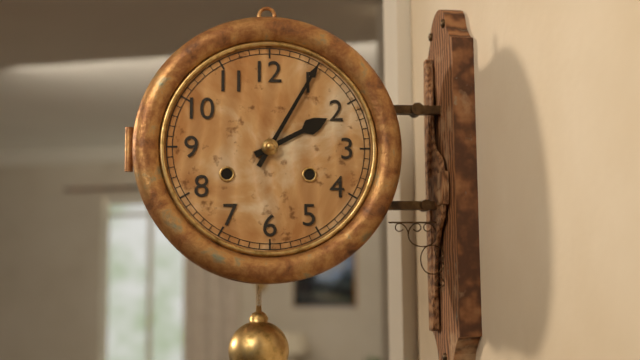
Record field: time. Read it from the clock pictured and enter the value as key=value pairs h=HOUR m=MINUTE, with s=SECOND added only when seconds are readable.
h=2 m=5
